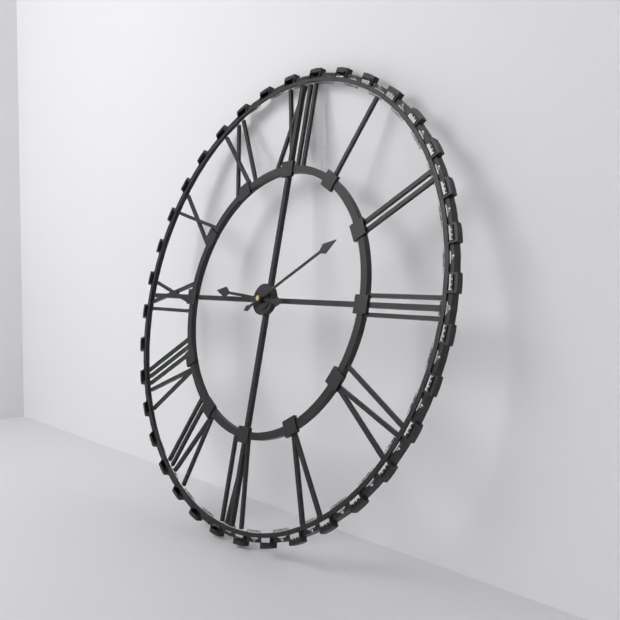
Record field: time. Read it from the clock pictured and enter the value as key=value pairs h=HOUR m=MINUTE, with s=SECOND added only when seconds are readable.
h=9 m=10
